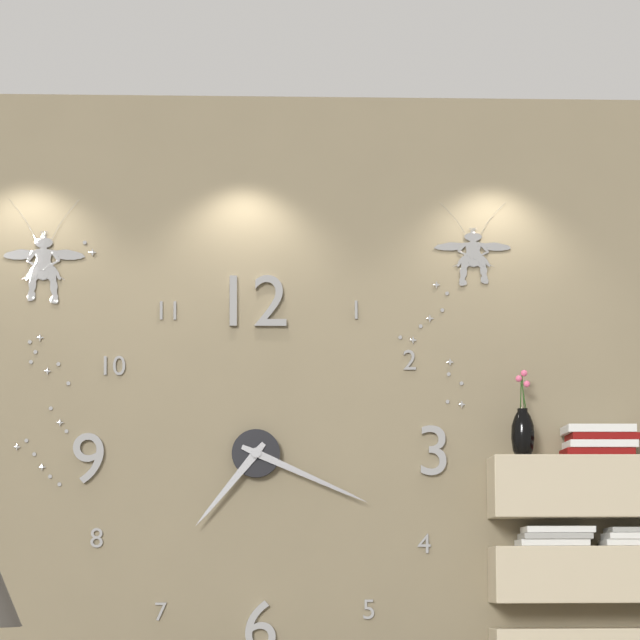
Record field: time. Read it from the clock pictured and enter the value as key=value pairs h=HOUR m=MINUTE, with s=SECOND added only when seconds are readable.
h=7 m=19
